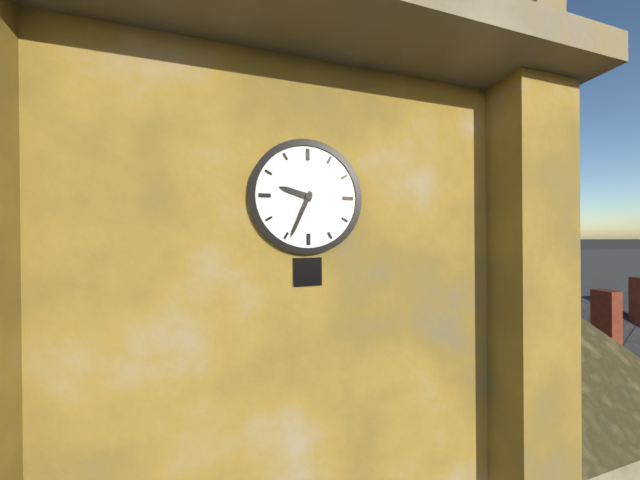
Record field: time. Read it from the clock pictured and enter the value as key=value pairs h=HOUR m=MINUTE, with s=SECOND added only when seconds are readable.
h=9 m=34
